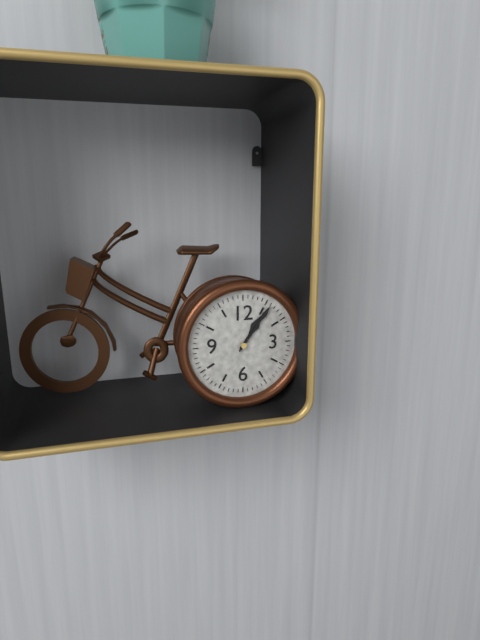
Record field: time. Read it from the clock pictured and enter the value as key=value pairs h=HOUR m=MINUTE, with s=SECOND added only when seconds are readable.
h=1 m=6
